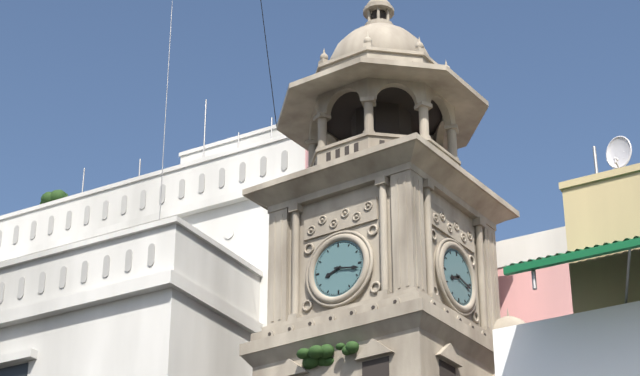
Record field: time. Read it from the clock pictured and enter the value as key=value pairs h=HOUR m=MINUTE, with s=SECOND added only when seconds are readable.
h=8 m=17
